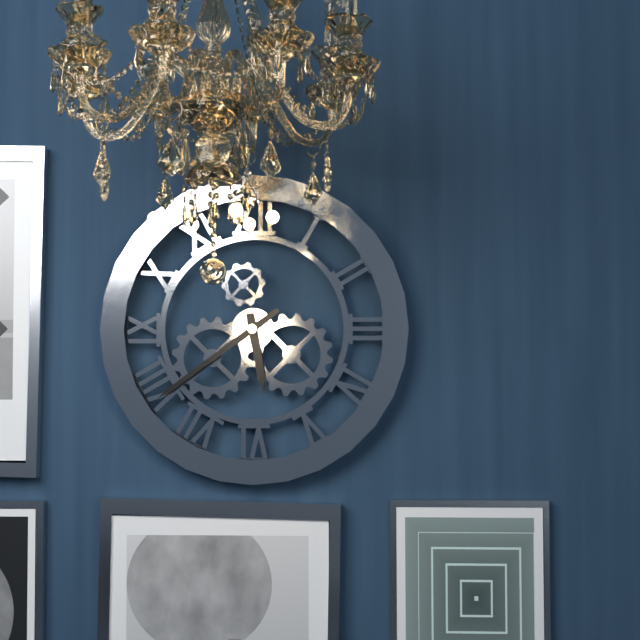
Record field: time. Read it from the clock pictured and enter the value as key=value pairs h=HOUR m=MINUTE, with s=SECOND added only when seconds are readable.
h=5 m=39
